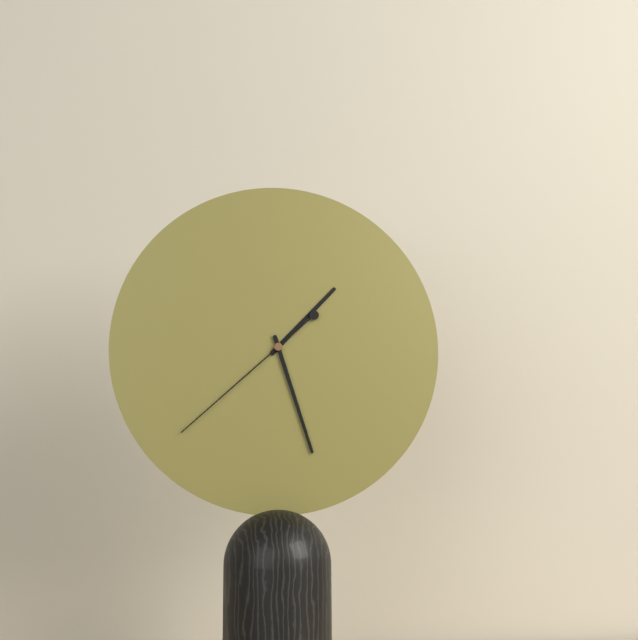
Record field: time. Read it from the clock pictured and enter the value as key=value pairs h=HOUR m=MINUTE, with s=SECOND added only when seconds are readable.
h=1 m=27 s=38
